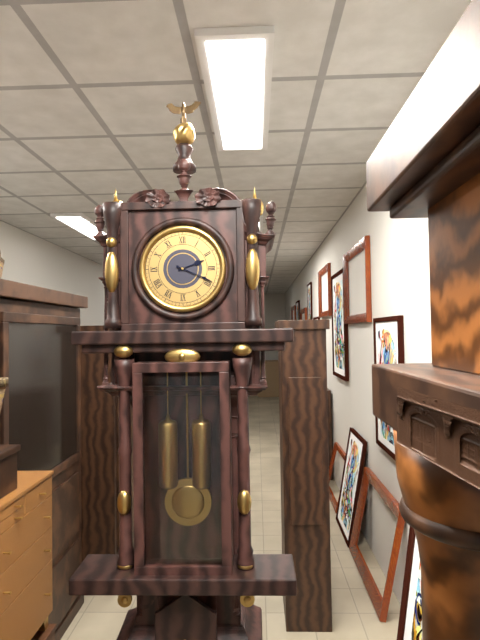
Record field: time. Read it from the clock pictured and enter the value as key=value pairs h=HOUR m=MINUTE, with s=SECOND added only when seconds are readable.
h=2 m=19
